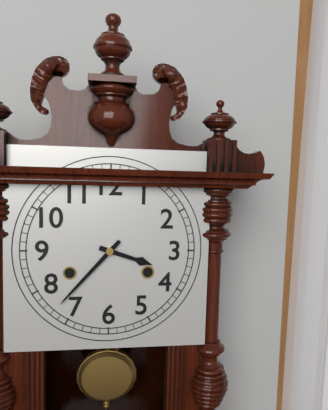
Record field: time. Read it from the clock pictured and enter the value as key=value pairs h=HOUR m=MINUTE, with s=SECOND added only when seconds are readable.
h=3 m=37
